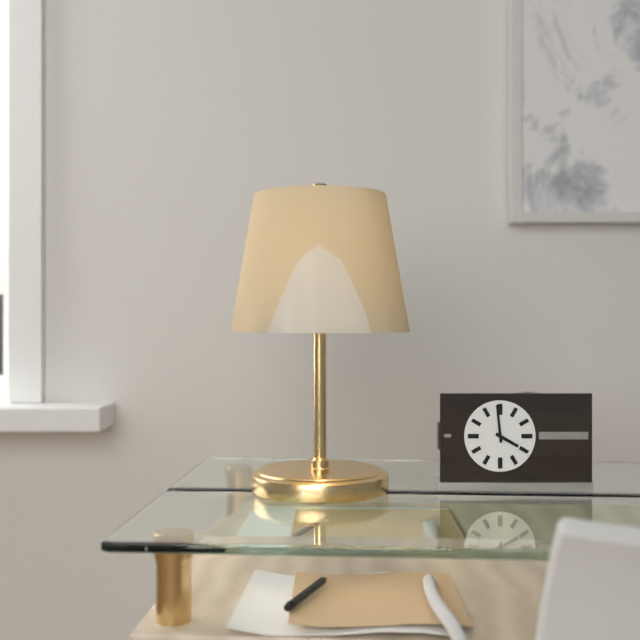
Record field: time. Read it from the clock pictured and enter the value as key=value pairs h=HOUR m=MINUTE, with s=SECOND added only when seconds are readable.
h=3 m=59
